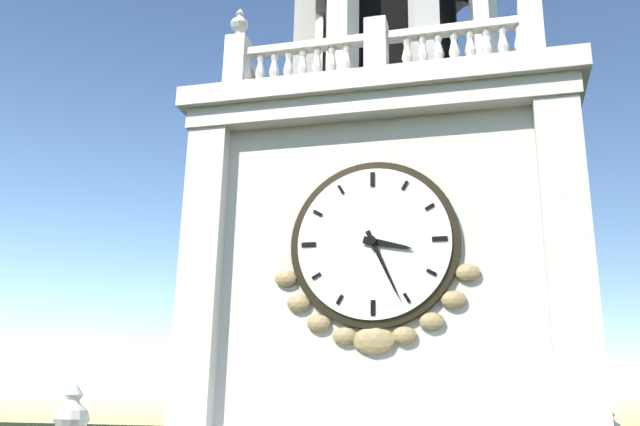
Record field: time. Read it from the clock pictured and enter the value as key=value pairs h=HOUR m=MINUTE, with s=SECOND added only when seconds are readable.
h=3 m=26
